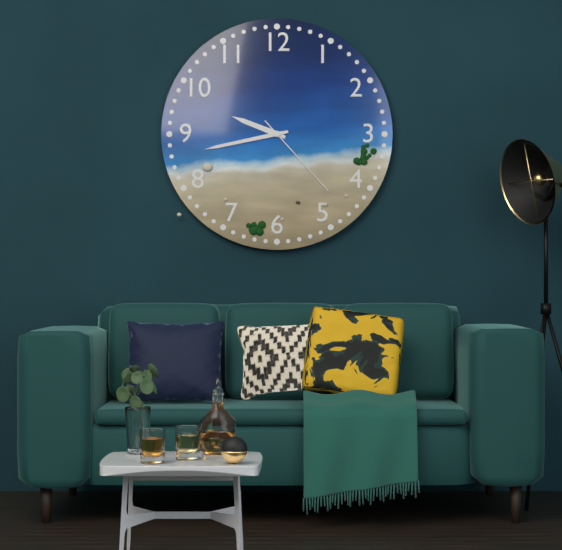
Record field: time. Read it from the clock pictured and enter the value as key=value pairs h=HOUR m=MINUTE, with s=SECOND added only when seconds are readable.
h=9 m=43 s=23
